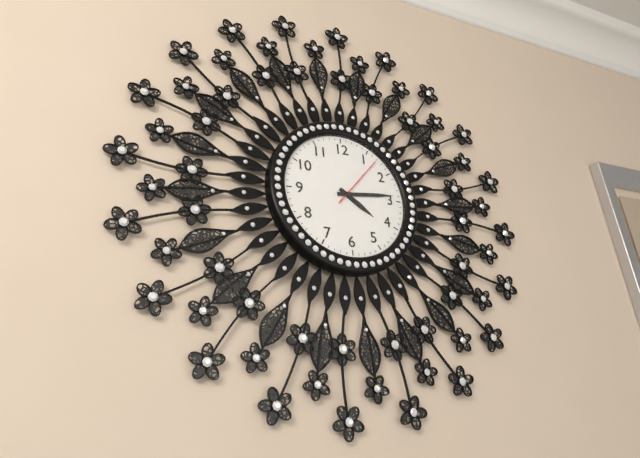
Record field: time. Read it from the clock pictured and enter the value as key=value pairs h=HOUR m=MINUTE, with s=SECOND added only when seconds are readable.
h=4 m=14 s=7
